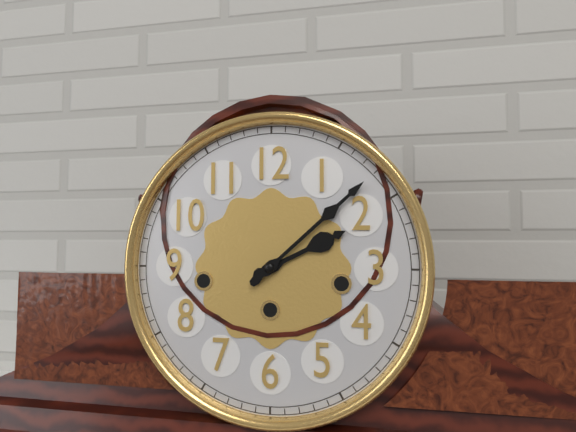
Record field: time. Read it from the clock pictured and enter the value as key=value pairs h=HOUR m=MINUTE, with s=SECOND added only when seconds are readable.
h=2 m=8
